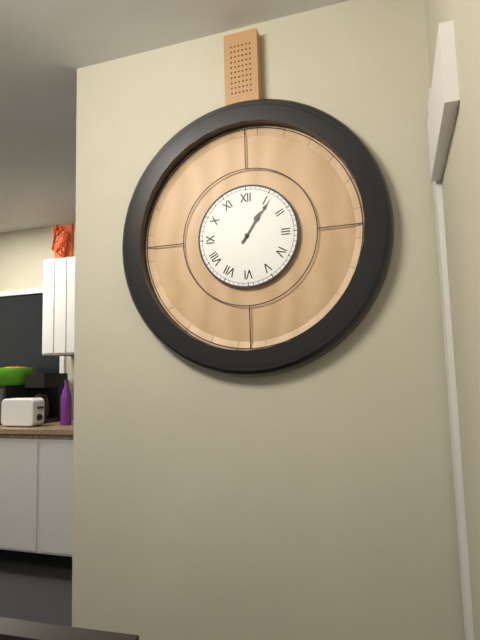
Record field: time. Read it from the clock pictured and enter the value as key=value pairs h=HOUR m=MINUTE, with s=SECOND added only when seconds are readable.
h=1 m=6
